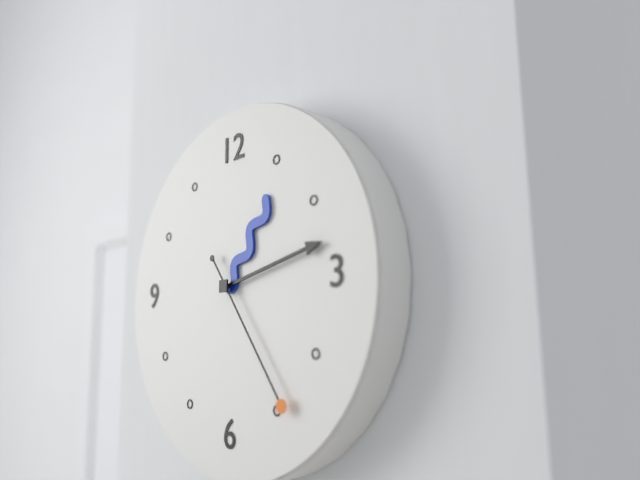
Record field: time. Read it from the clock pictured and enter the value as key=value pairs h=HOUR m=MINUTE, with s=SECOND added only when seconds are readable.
h=1 m=13 s=24
